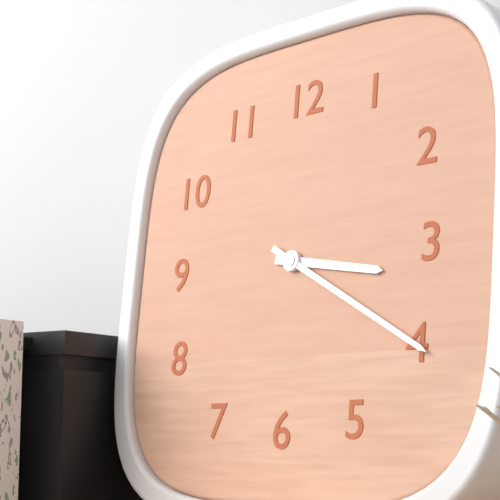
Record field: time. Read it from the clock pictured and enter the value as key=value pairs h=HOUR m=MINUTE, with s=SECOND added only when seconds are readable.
h=3 m=20
